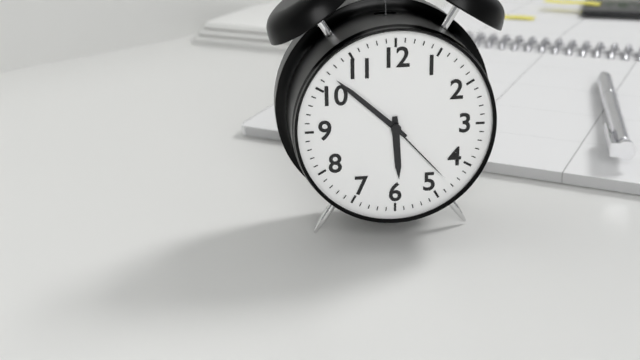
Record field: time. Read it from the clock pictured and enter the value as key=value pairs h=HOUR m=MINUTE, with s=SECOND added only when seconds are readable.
h=5 m=52 s=23
